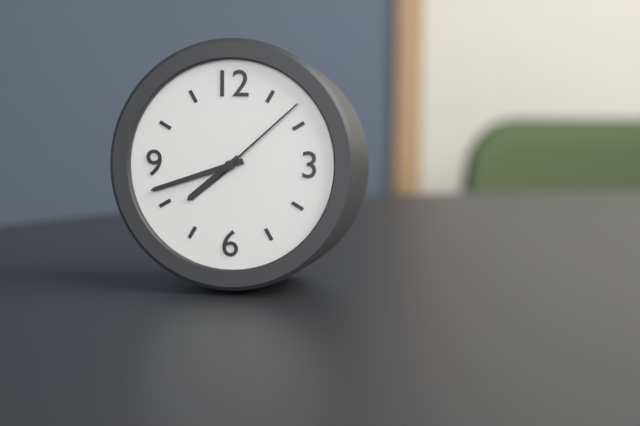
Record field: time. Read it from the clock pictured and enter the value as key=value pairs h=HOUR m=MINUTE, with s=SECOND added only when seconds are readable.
h=7 m=42 s=8
